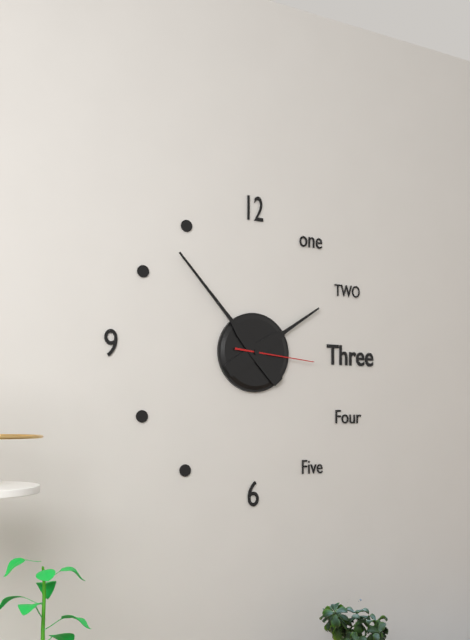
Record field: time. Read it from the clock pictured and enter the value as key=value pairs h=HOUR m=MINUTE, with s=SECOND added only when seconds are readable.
h=1 m=53 s=16
